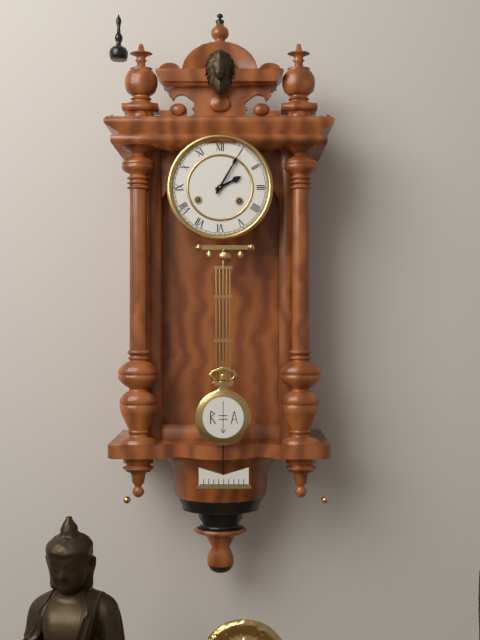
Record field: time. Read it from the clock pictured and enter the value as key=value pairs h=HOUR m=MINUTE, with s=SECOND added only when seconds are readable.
h=2 m=5
